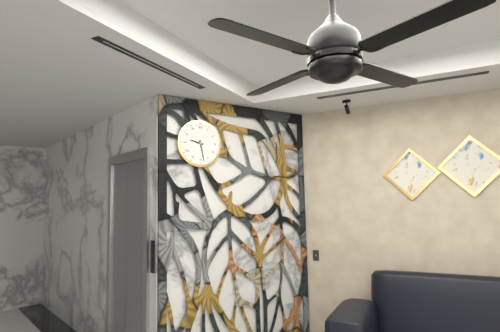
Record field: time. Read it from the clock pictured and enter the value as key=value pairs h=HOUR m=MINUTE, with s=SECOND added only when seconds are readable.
h=9 m=28
